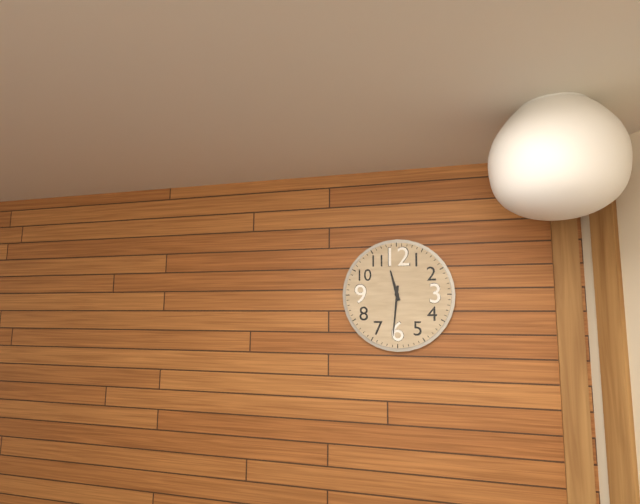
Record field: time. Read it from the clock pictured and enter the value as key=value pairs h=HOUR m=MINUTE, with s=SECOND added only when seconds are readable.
h=11 m=31
